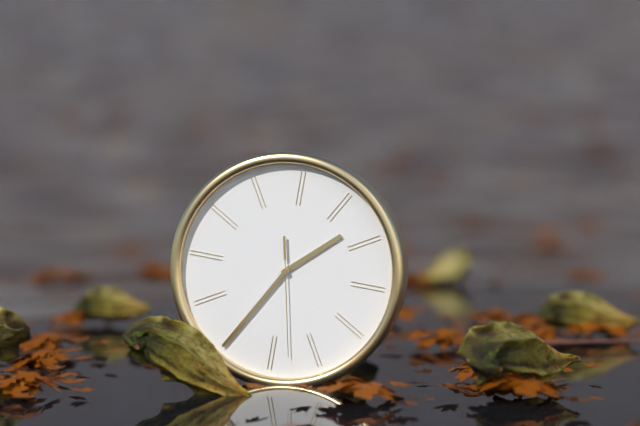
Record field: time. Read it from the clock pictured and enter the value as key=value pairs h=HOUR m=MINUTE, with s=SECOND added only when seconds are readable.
h=1 m=35 s=28
